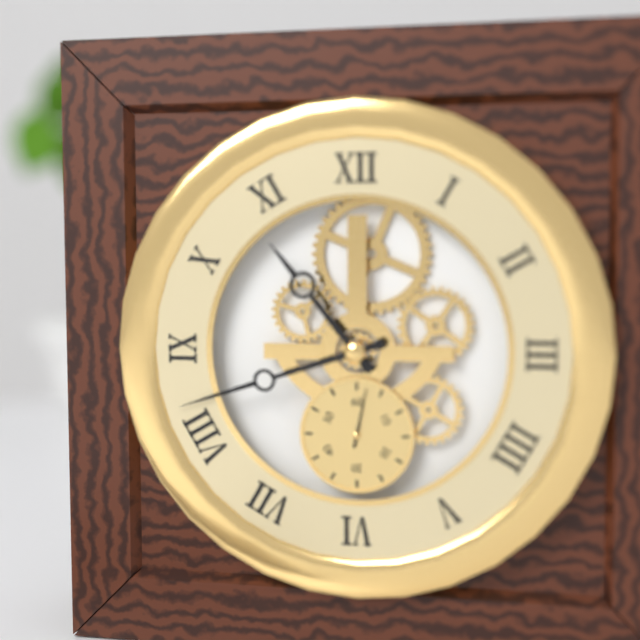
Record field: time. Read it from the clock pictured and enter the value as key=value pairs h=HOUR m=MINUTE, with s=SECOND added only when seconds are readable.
h=10 m=42
